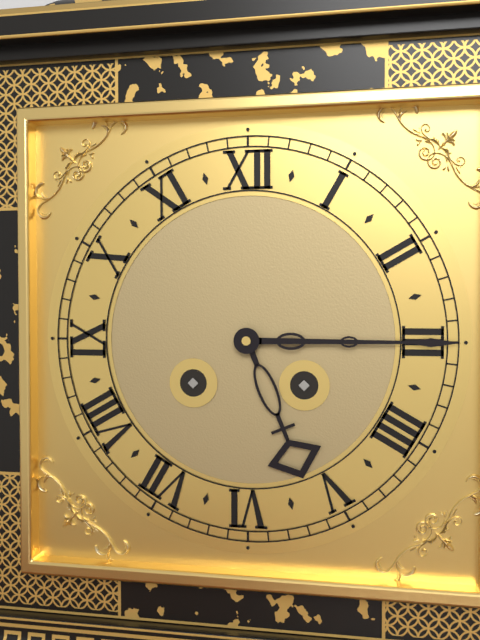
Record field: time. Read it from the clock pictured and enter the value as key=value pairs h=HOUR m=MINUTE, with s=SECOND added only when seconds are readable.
h=5 m=15
